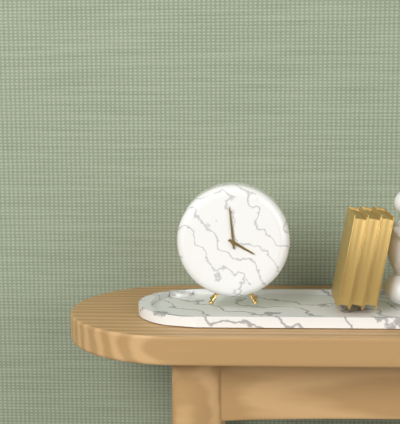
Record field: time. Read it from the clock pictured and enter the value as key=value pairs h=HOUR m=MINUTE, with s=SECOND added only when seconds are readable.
h=3 m=59
